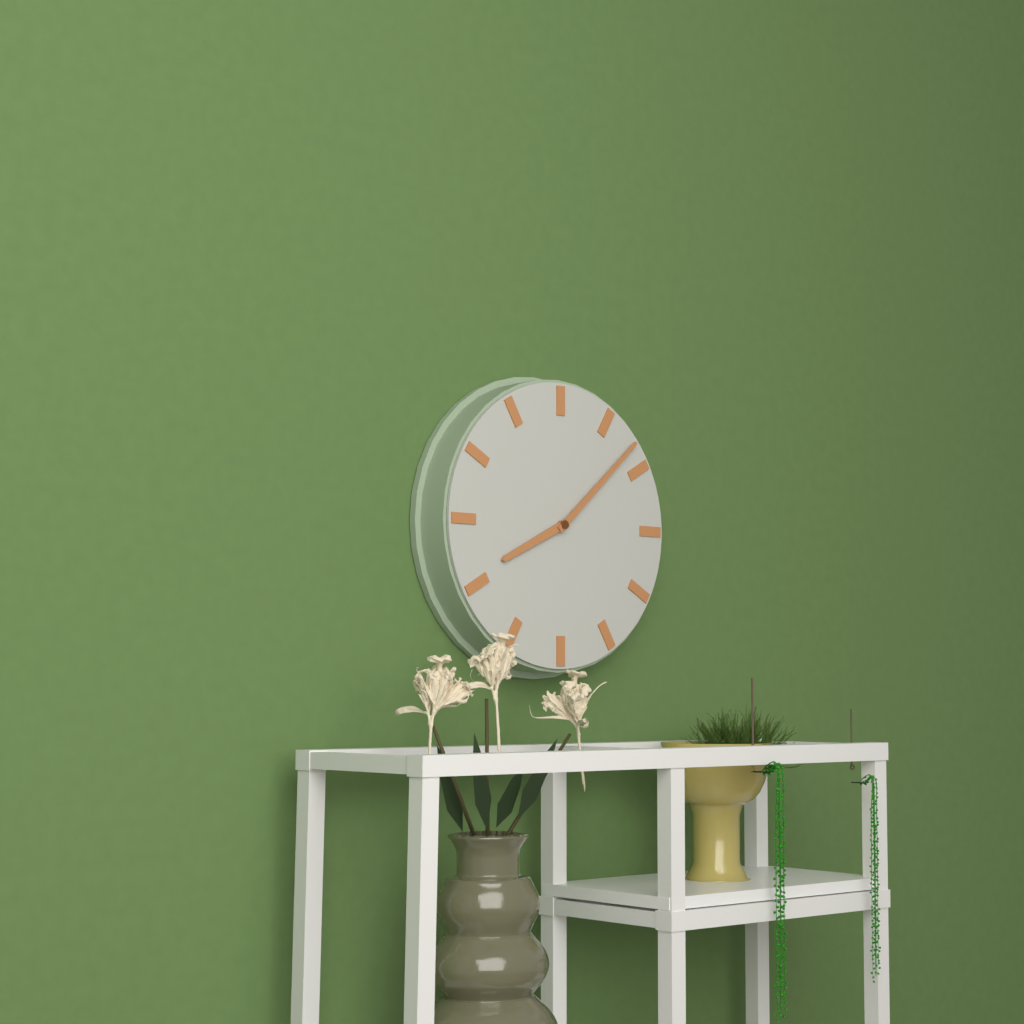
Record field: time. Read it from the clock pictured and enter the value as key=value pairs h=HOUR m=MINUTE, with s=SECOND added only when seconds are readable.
h=8 m=8
